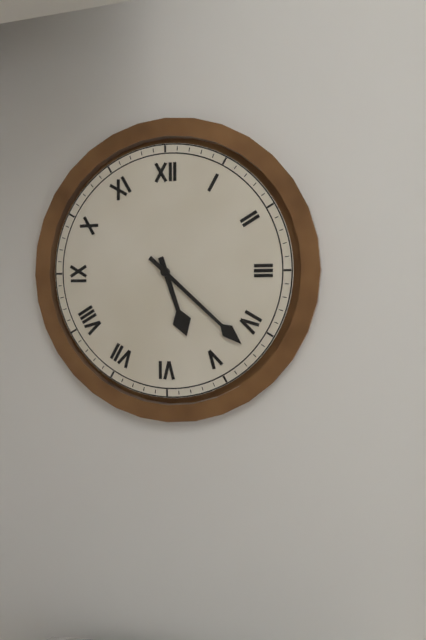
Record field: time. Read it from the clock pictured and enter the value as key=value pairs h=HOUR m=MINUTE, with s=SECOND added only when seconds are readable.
h=5 m=22
